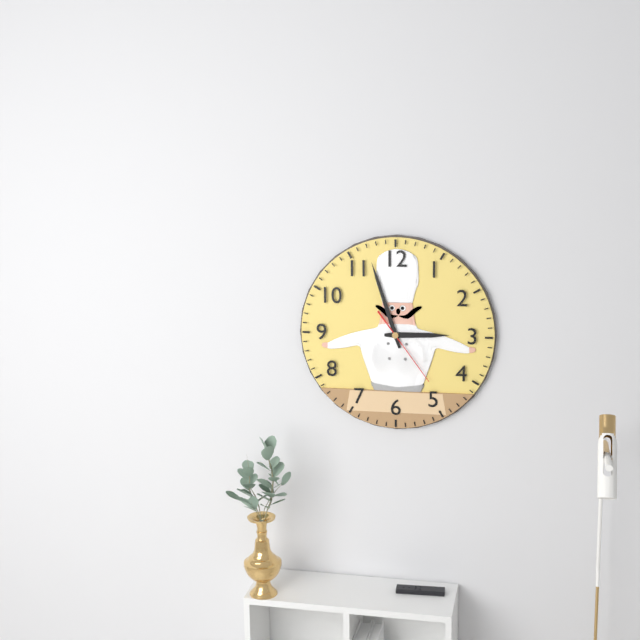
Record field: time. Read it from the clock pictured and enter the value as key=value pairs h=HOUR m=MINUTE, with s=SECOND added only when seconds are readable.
h=2 m=57 s=24
